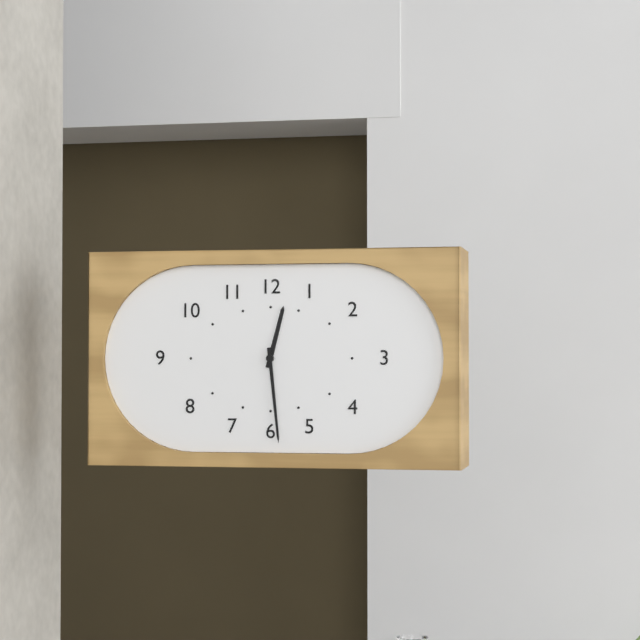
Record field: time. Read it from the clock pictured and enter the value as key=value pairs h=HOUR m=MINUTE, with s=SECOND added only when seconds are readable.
h=12 m=29
